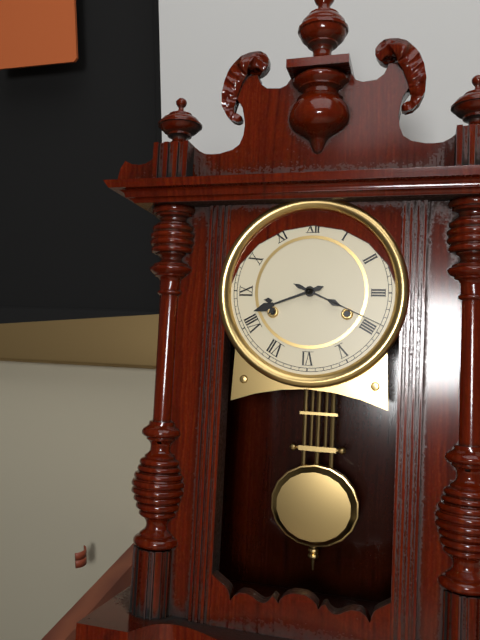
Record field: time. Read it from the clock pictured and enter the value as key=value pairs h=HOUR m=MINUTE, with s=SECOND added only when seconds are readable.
h=8 m=19
